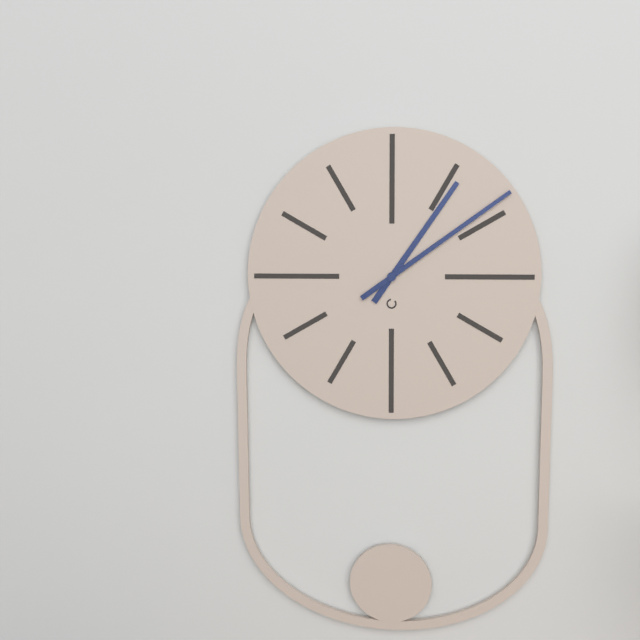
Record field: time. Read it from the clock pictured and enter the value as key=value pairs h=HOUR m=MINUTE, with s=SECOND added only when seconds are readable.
h=1 m=9
